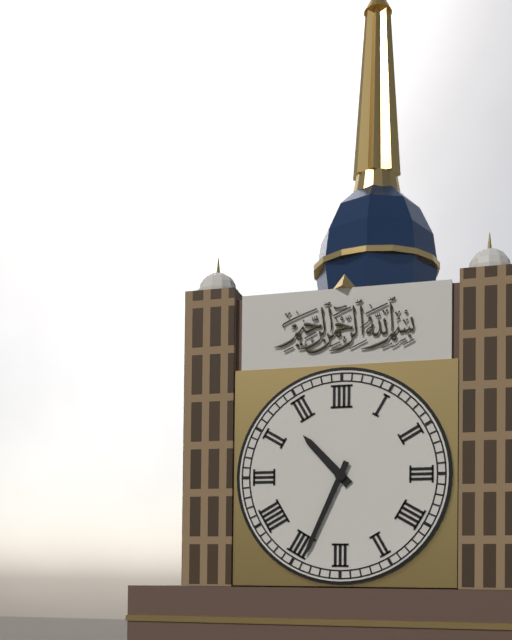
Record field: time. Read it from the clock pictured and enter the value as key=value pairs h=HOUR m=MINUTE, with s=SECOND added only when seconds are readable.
h=10 m=34
